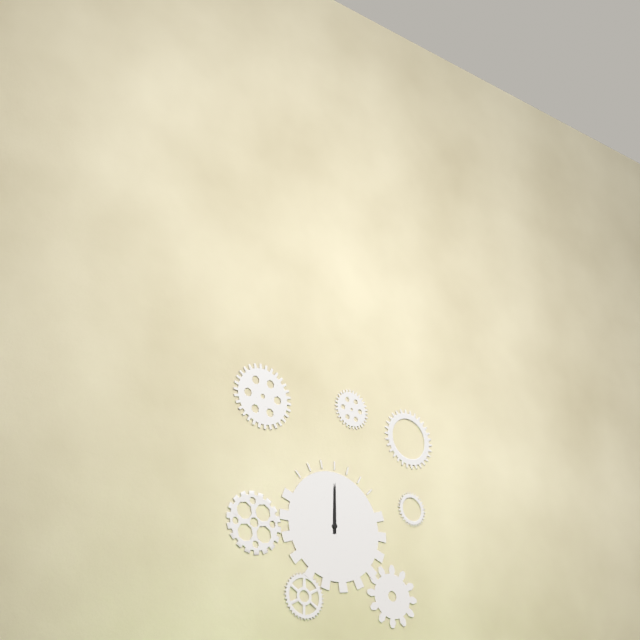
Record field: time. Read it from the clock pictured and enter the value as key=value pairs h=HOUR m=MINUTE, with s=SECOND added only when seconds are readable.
h=12 m=0
